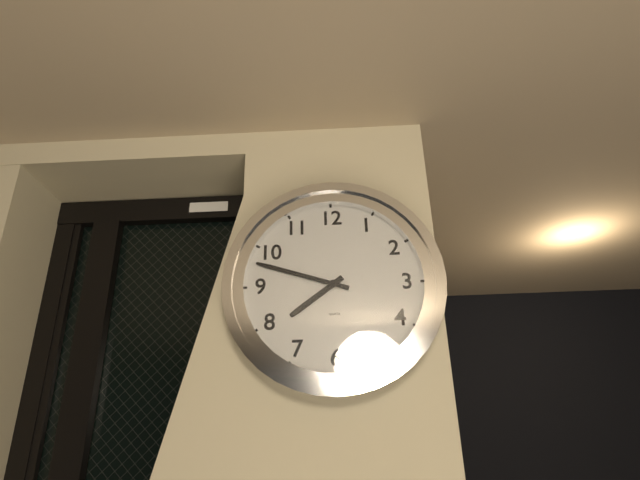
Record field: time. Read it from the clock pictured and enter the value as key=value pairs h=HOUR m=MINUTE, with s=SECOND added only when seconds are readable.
h=7 m=48
